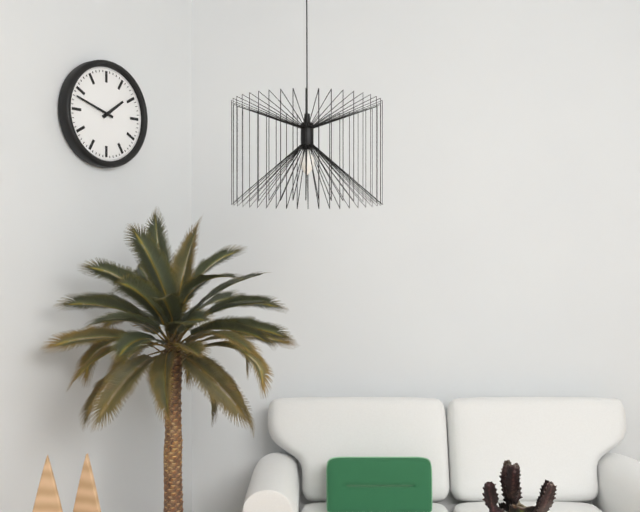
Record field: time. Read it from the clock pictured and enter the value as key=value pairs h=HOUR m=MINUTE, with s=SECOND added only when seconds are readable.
h=1 m=48
